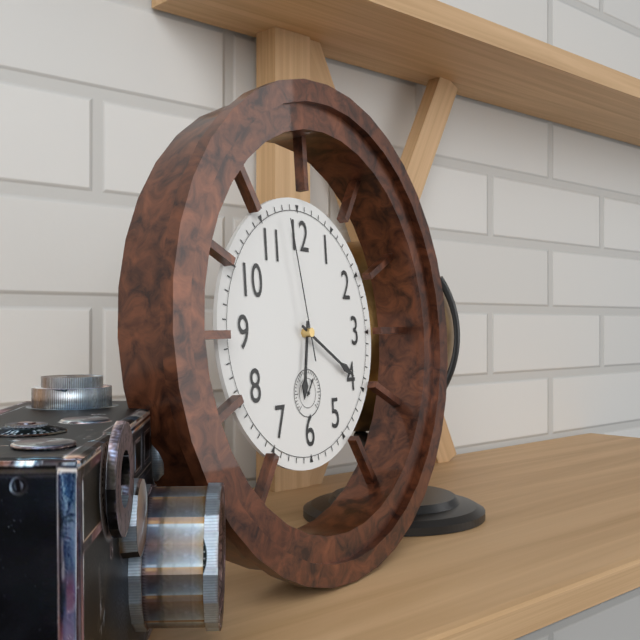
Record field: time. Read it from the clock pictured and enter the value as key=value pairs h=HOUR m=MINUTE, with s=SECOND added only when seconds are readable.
h=6 m=20 s=58
